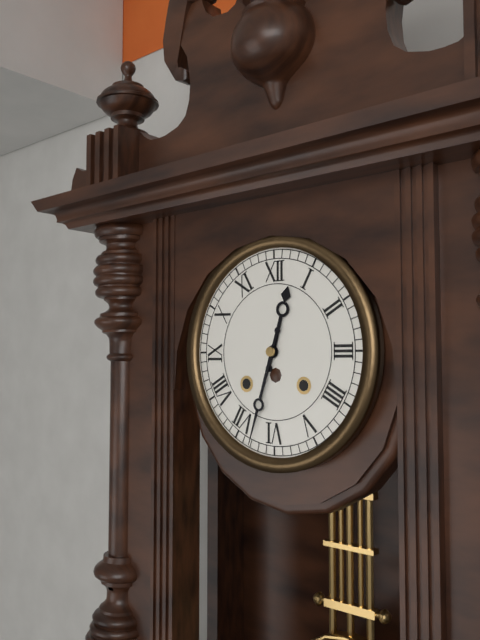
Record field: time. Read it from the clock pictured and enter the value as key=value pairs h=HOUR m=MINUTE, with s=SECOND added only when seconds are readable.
h=12 m=33
